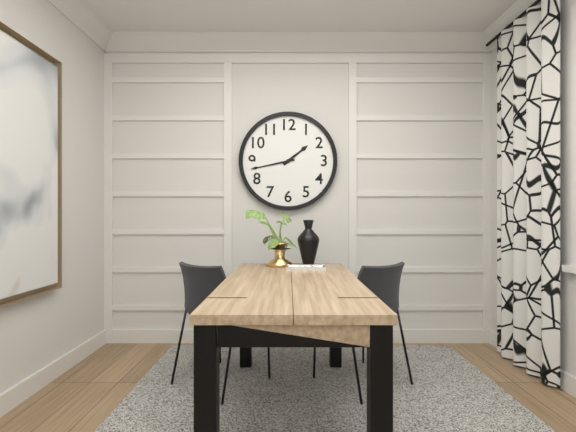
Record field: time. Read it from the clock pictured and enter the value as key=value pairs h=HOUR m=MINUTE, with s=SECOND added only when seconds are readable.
h=1 m=43
